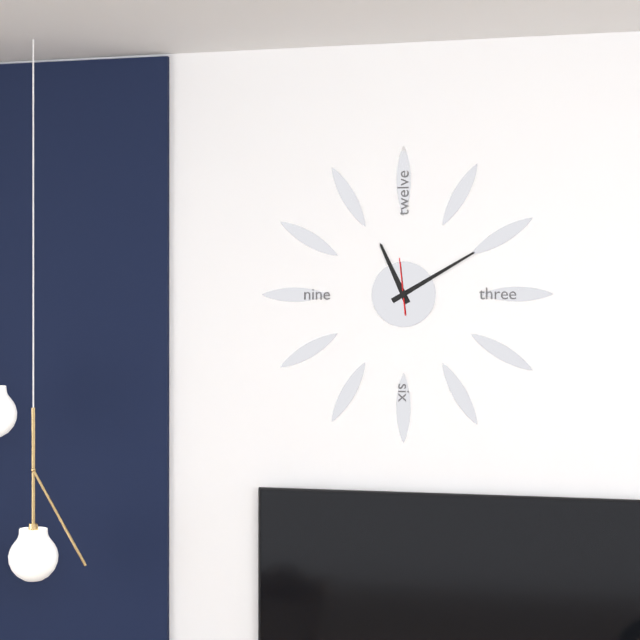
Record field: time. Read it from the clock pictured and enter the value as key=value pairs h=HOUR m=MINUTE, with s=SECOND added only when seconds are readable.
h=11 m=10
